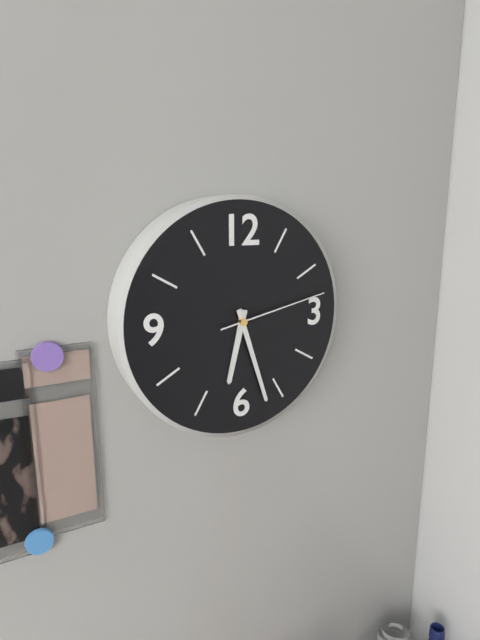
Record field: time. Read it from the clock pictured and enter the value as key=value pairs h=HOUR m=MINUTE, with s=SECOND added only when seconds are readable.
h=6 m=27 s=13
